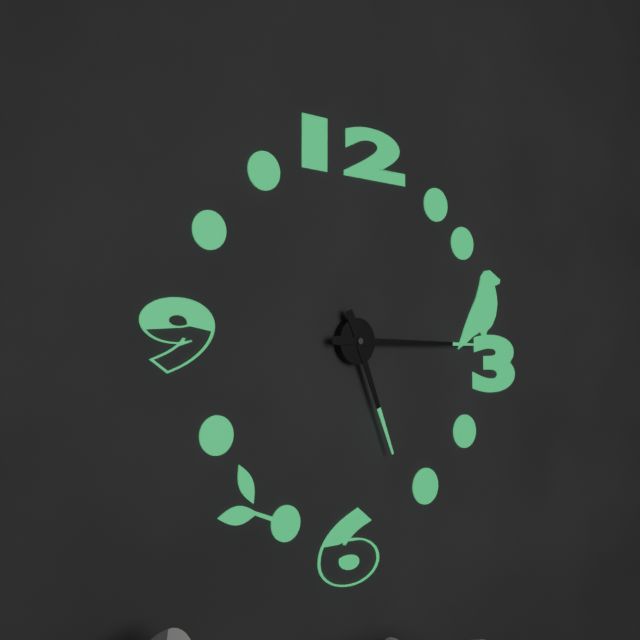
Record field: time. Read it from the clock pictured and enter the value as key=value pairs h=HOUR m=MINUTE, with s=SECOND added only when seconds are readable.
h=5 m=15
